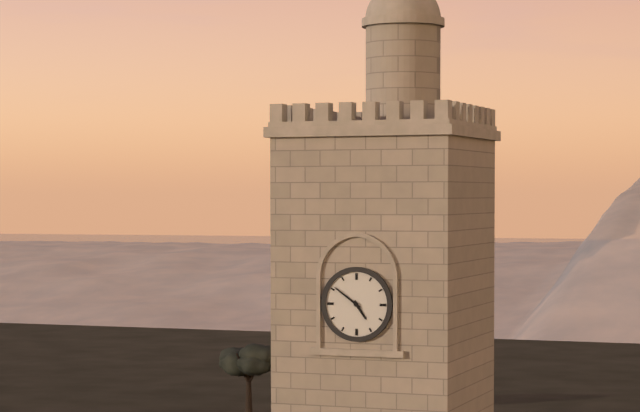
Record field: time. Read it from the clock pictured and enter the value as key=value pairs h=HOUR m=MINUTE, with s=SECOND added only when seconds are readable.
h=4 m=51
